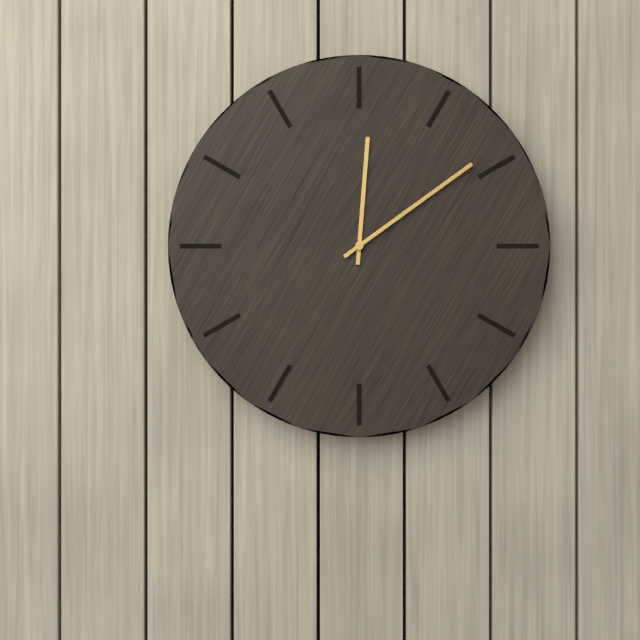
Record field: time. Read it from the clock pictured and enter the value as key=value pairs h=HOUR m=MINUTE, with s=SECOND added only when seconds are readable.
h=12 m=9
